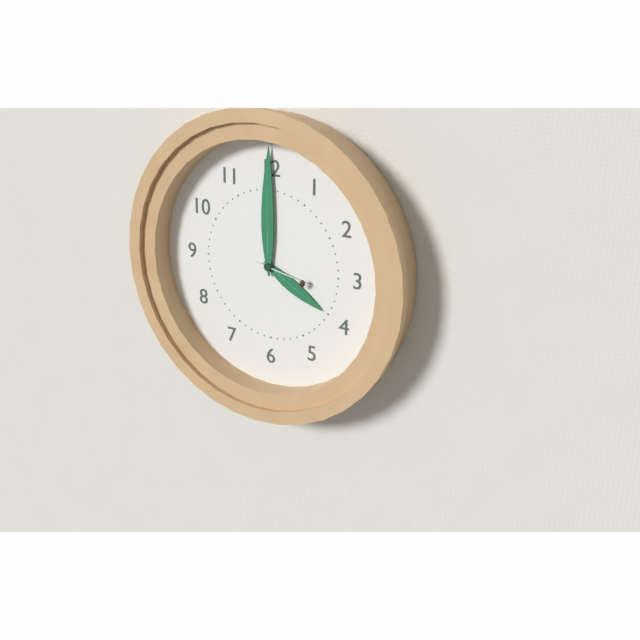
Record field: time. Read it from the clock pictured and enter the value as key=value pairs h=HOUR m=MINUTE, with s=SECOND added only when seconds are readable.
h=4 m=0 s=17
